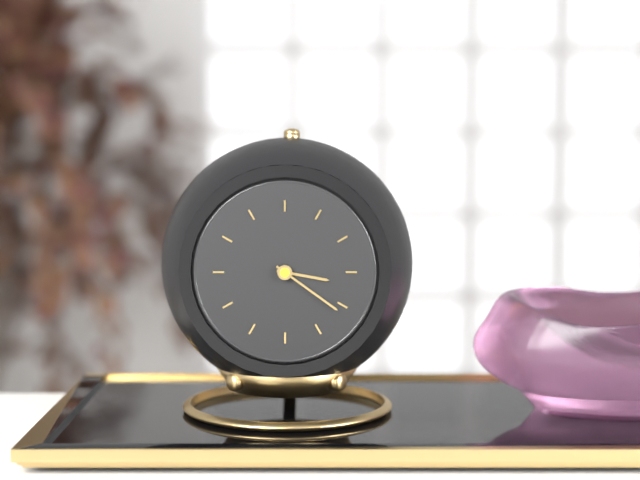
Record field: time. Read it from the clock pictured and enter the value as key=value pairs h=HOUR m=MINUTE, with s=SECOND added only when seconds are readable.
h=3 m=21
